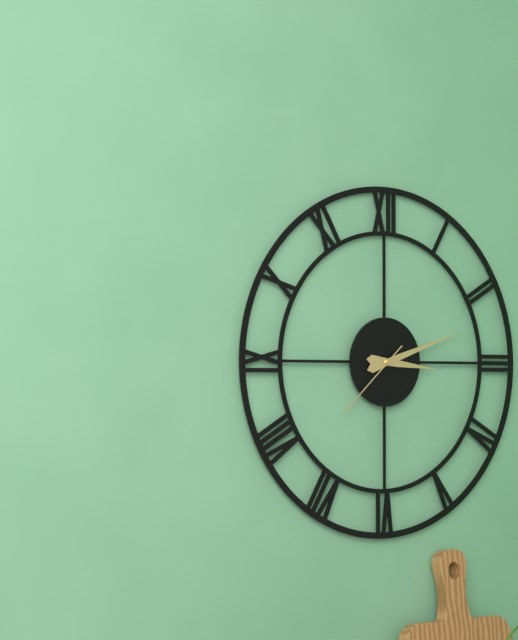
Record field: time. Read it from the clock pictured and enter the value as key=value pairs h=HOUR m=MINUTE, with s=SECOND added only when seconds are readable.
h=3 m=12 s=38
